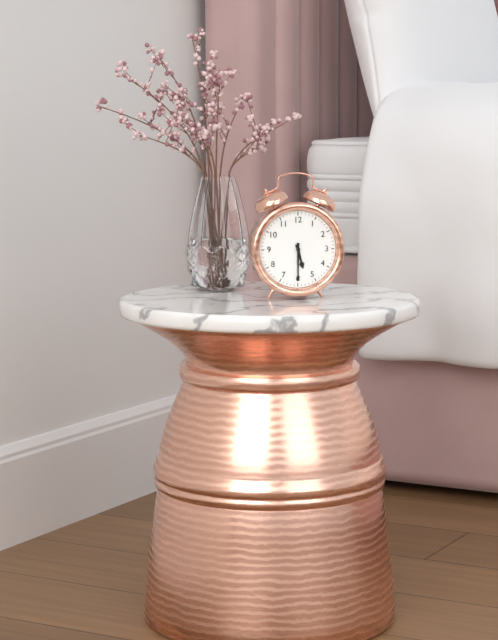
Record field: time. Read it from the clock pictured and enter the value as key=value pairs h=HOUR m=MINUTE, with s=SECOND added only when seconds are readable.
h=5 m=30
